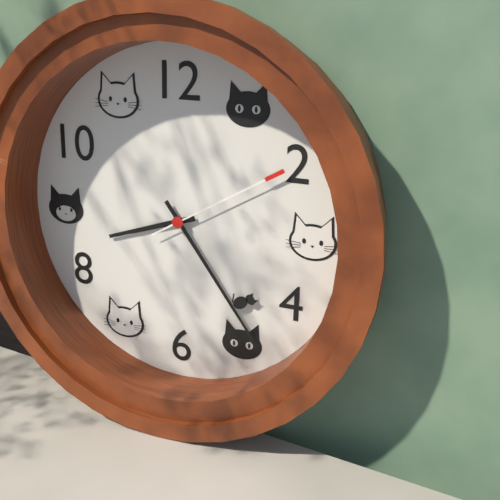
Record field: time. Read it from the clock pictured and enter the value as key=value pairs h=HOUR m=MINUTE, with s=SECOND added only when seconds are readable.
h=8 m=24 s=10
